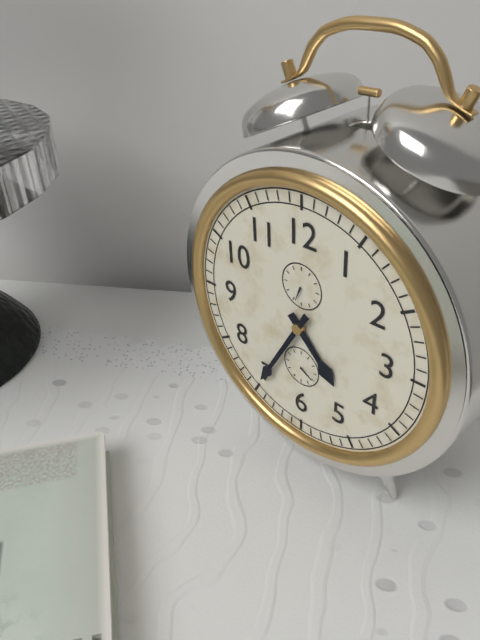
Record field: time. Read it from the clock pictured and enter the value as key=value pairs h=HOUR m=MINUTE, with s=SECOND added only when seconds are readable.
h=4 m=35
